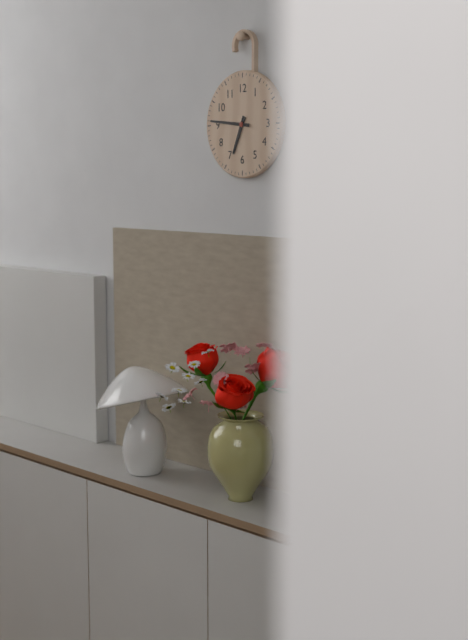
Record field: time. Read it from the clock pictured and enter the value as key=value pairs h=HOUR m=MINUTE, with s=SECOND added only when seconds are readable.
h=6 m=46
